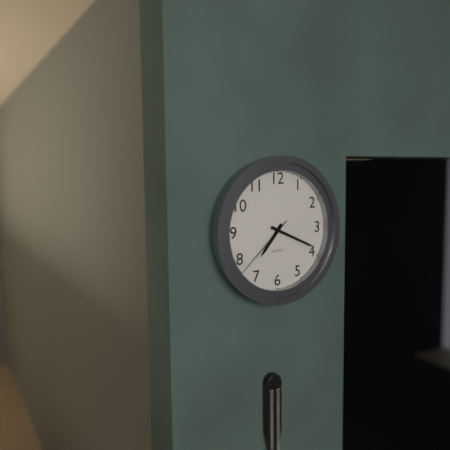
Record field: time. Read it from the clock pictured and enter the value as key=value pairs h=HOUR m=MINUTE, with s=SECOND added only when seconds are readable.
h=7 m=19 s=38
